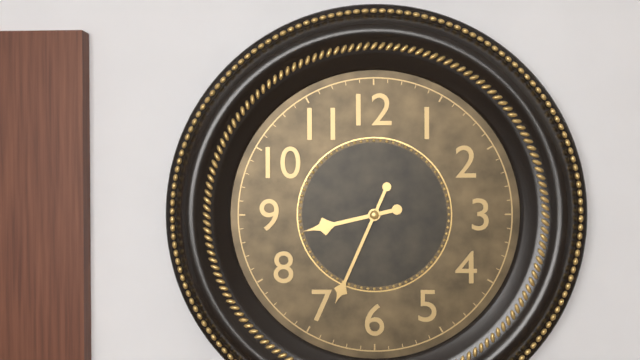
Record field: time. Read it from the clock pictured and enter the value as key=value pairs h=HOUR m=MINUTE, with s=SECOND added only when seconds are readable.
h=8 m=34
